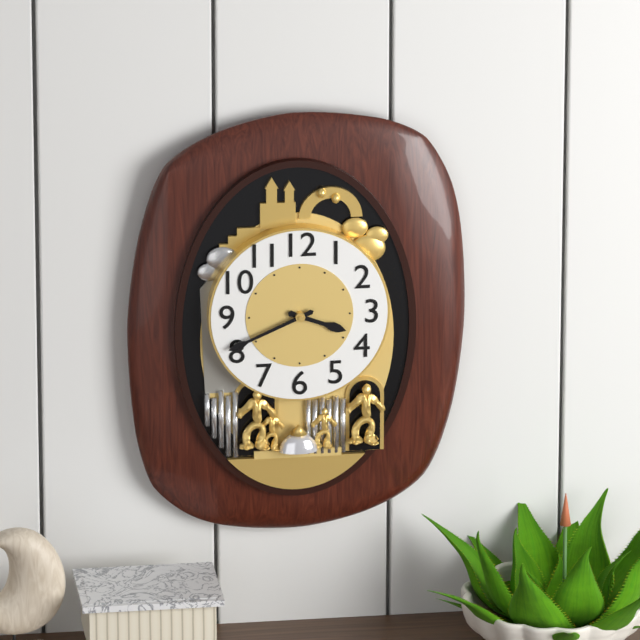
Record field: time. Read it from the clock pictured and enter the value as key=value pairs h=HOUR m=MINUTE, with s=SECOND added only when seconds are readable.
h=3 m=41
